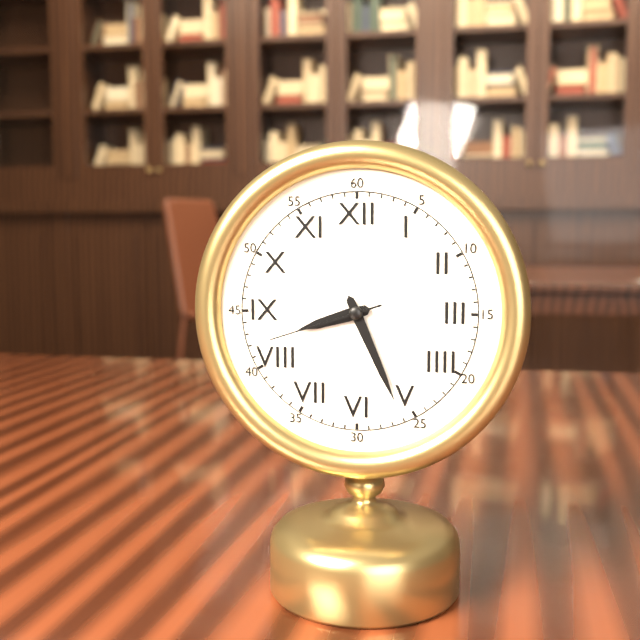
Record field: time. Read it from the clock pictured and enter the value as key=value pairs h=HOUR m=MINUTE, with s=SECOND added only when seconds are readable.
h=8 m=26 s=42
